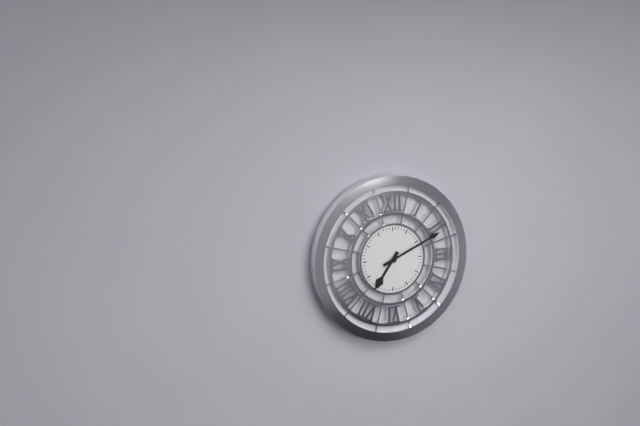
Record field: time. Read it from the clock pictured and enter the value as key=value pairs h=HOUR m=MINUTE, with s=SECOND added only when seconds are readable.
h=7 m=11
